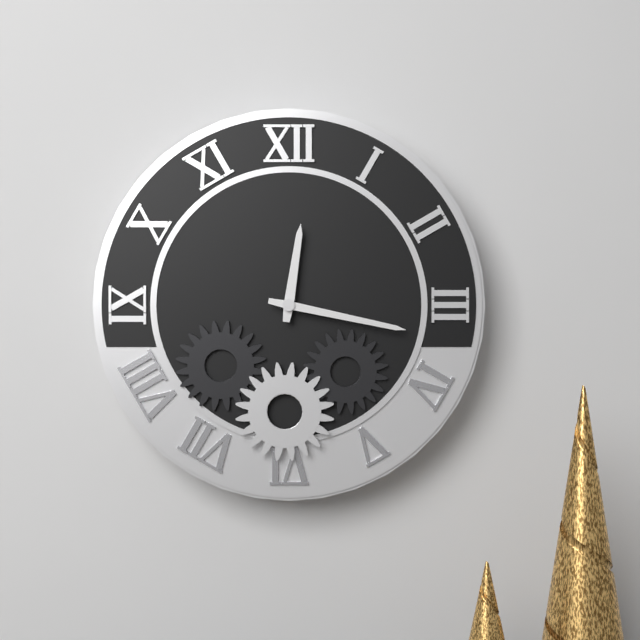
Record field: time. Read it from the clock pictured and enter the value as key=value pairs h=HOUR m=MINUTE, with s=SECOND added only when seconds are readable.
h=12 m=17
